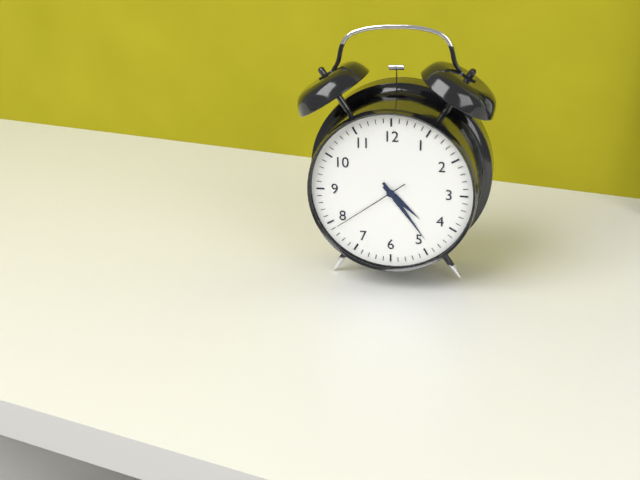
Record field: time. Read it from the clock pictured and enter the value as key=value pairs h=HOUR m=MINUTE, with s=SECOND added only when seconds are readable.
h=4 m=24 s=39
